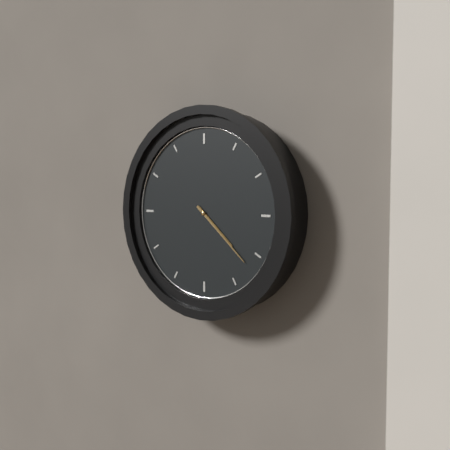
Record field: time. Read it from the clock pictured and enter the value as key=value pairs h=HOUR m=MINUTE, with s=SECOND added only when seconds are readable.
h=4 m=22
